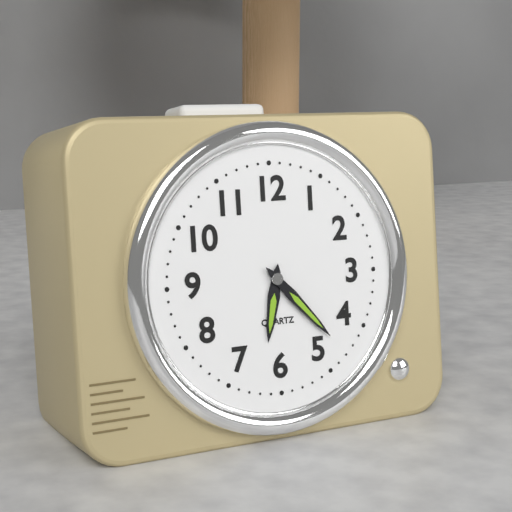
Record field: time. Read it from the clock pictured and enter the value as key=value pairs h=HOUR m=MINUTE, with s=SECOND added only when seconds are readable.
h=6 m=23
